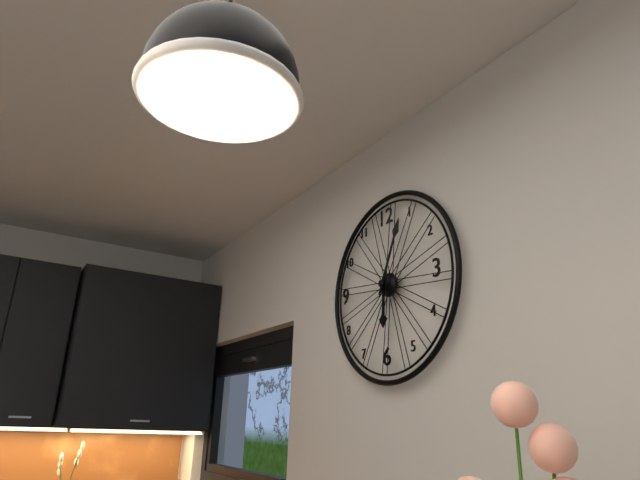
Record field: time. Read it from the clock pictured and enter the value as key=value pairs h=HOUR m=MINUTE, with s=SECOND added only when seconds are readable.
h=6 m=4
